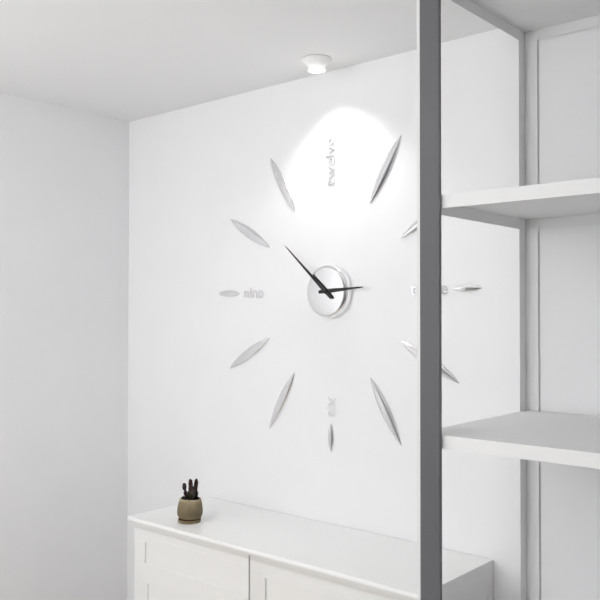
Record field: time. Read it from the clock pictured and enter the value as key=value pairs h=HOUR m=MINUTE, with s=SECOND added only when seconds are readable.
h=2 m=52
